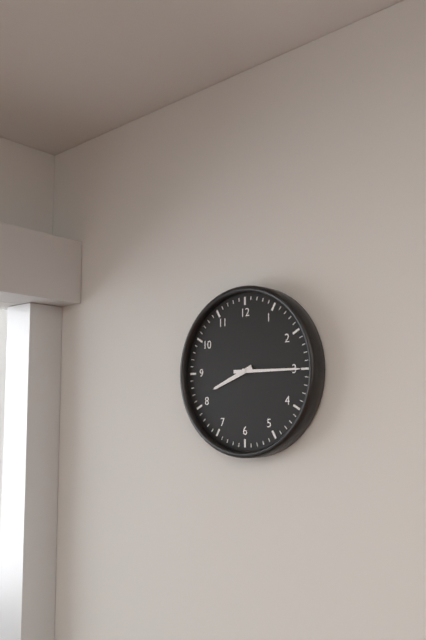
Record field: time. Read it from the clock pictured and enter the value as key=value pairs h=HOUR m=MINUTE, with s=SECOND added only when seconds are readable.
h=8 m=15
